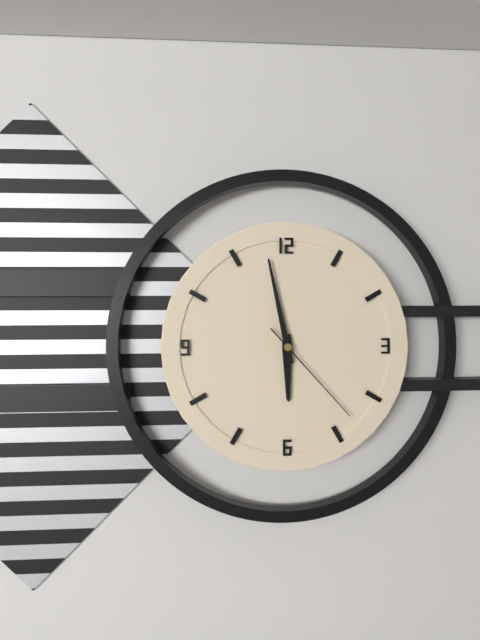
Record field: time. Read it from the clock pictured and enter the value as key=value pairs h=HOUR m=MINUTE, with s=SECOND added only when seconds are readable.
h=5 m=58 s=23
